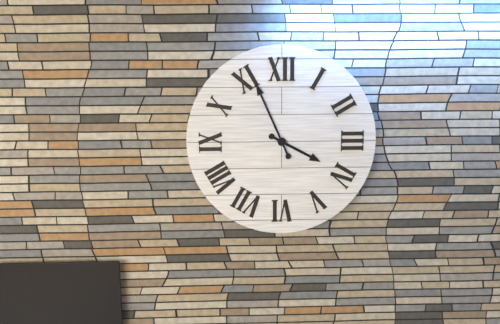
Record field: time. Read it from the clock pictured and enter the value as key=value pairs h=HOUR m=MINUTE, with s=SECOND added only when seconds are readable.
h=3 m=56
